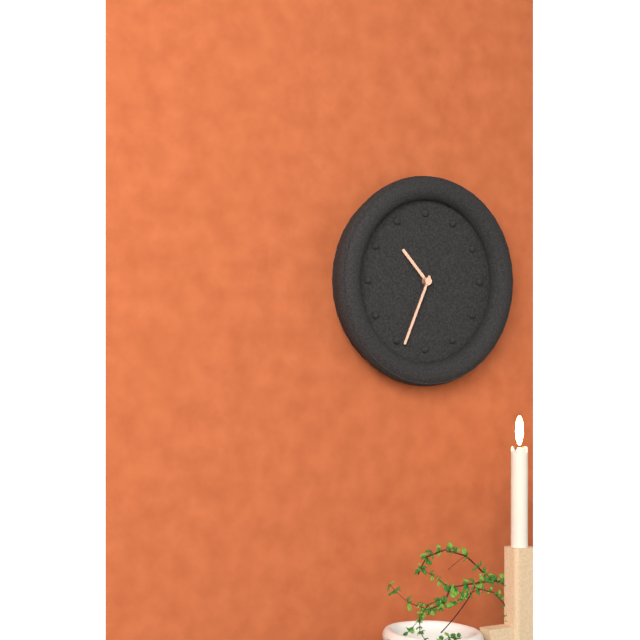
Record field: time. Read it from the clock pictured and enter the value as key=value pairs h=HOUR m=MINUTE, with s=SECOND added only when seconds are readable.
h=10 m=34
